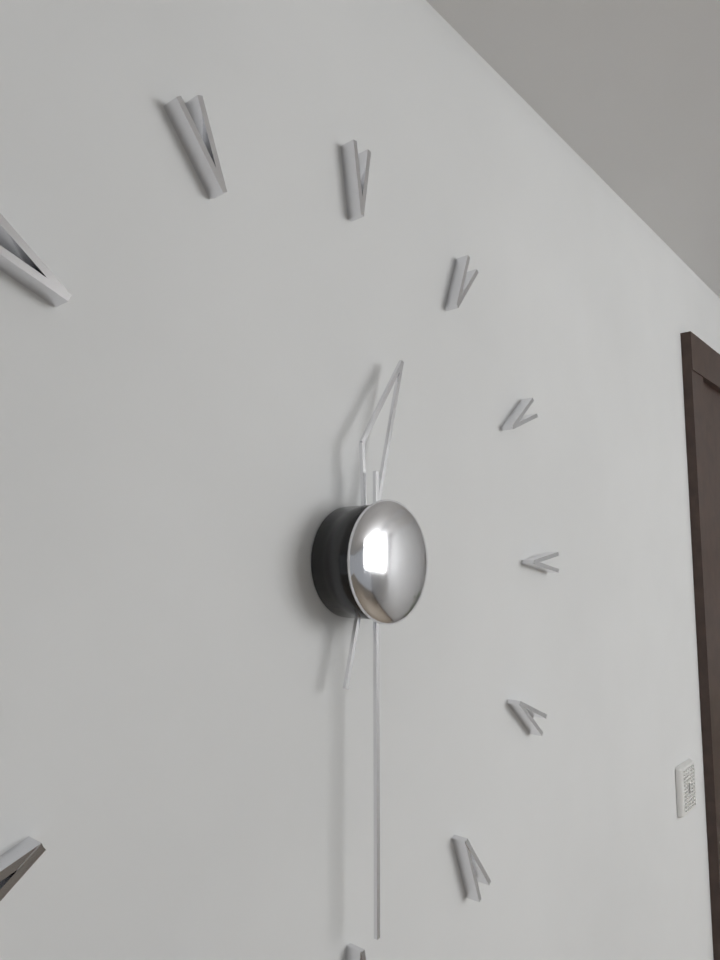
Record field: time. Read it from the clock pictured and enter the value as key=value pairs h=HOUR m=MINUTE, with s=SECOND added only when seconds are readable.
h=12 m=30
